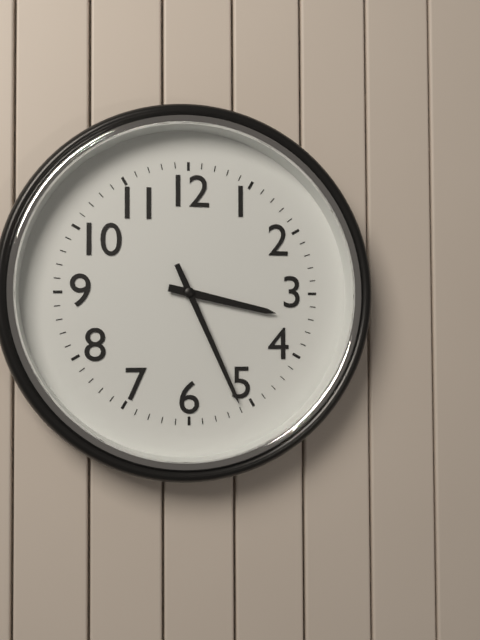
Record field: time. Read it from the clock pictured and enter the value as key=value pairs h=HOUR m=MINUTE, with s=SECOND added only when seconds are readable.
h=3 m=26
